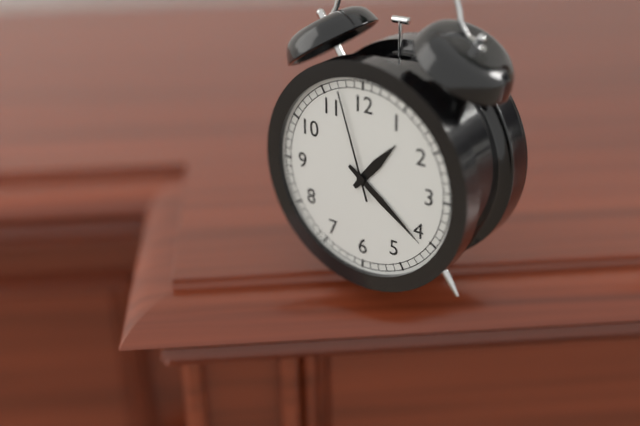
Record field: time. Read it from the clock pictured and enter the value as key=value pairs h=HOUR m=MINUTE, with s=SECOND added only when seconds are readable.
h=1 m=21 s=57
